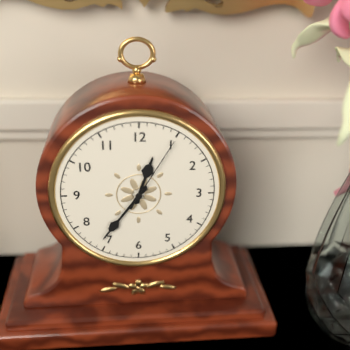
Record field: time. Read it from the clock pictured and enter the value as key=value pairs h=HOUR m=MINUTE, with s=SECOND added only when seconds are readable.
h=12 m=36 s=5
